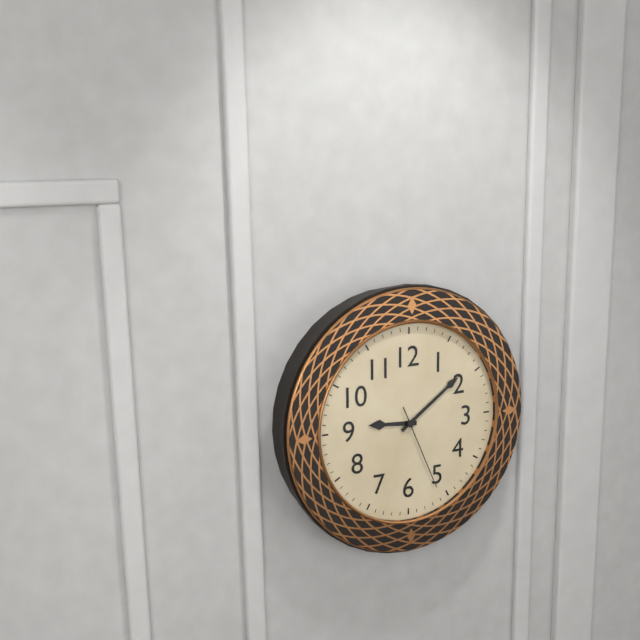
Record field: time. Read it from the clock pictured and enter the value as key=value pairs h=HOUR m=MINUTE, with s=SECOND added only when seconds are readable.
h=9 m=9 s=26
